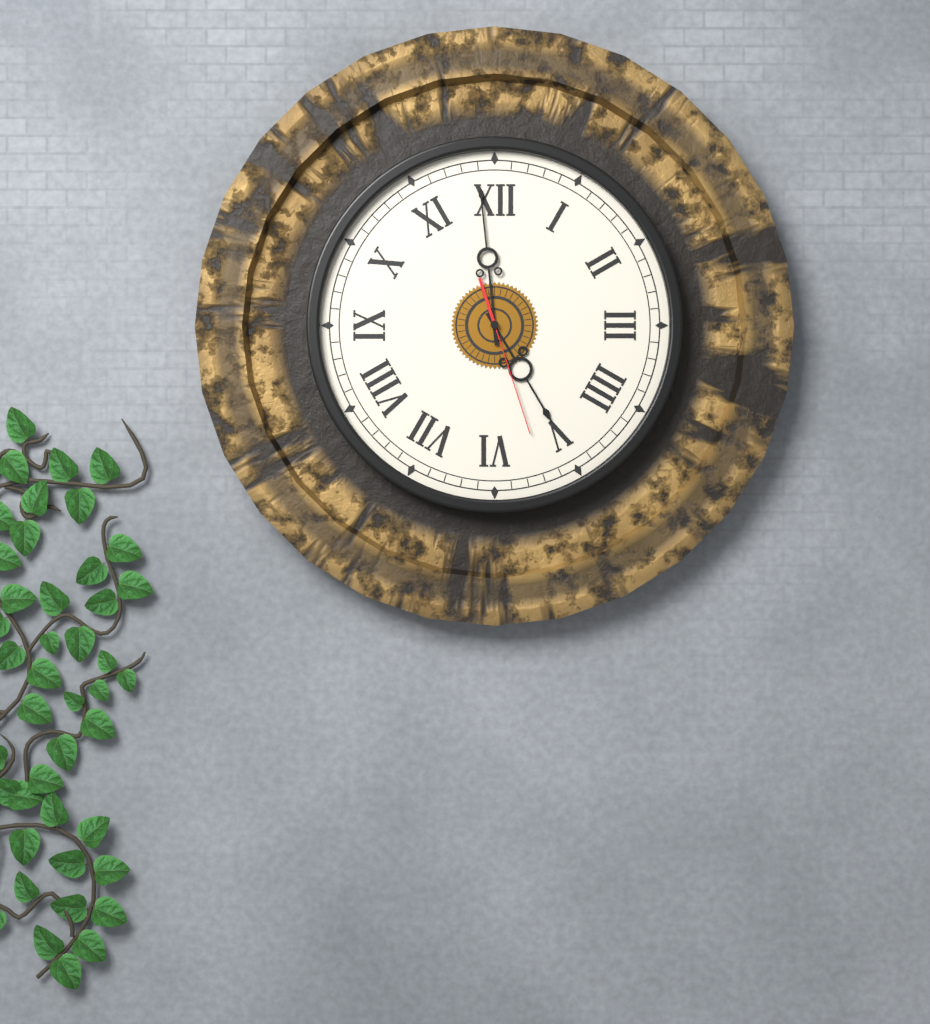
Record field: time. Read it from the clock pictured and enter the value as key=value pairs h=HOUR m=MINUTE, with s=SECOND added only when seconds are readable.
h=4 m=59 s=27
